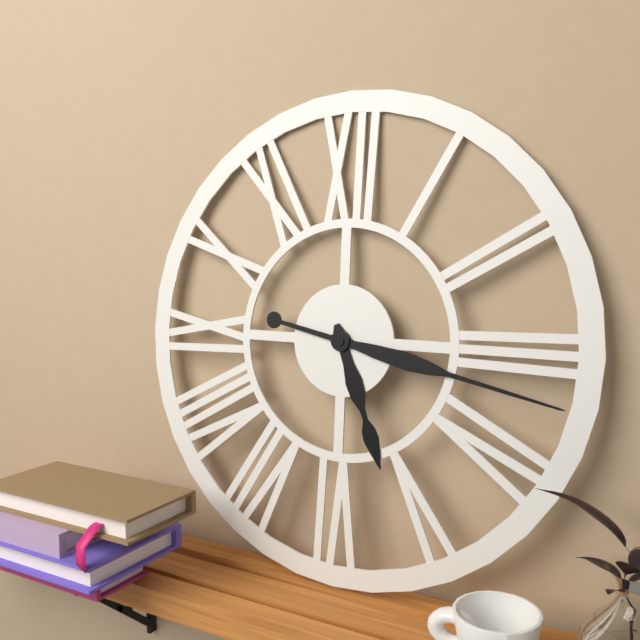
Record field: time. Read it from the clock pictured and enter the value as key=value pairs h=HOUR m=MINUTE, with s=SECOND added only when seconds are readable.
h=5 m=17
